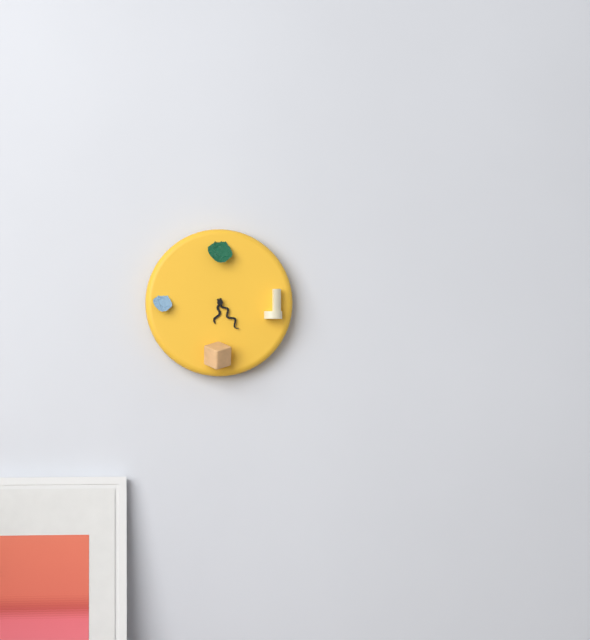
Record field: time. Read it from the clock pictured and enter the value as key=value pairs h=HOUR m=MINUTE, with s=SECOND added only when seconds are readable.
h=6 m=24
